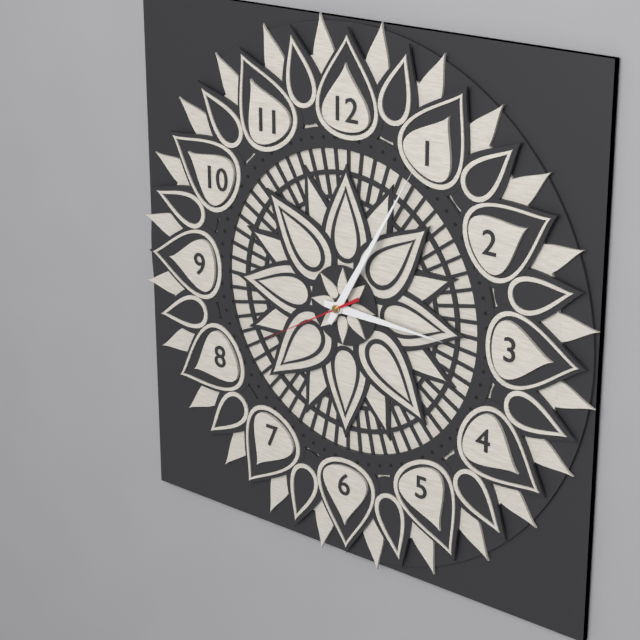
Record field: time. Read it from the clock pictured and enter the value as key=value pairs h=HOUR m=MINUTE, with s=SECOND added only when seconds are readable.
h=3 m=5 s=40
